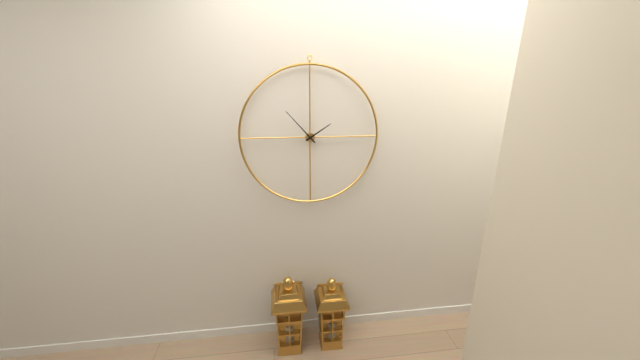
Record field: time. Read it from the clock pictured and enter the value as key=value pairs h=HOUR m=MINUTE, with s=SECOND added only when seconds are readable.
h=1 m=53
